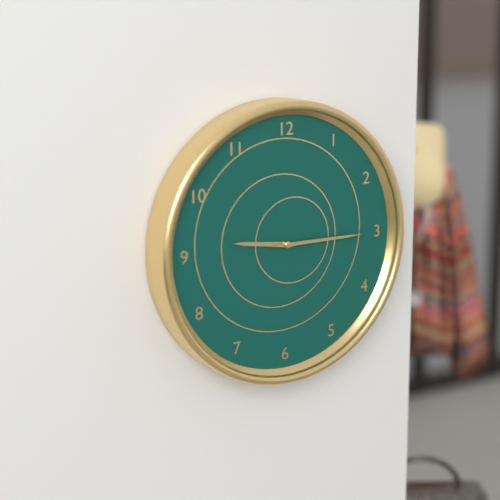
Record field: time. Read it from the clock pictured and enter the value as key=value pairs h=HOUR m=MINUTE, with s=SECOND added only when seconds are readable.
h=9 m=15
